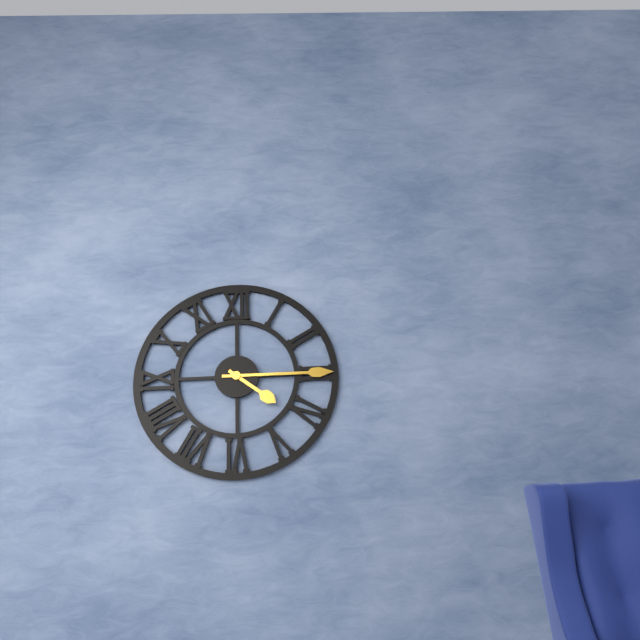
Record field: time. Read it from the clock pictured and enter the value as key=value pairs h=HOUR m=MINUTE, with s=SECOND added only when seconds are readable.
h=4 m=15
